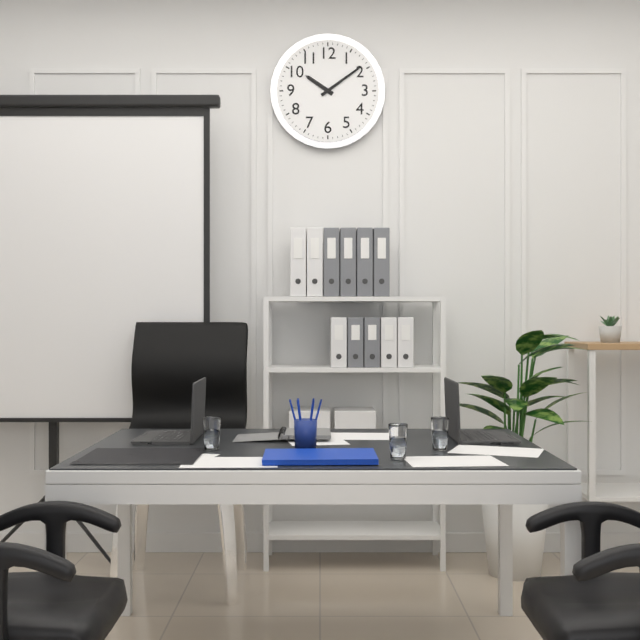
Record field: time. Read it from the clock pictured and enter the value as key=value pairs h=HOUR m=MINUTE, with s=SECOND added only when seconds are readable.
h=10 m=9
